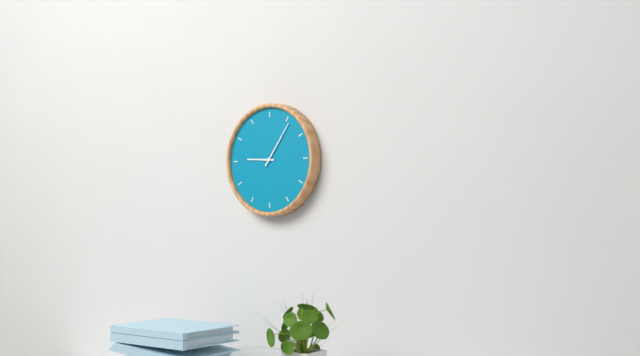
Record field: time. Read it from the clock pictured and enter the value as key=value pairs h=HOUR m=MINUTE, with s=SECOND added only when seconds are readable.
h=9 m=6
